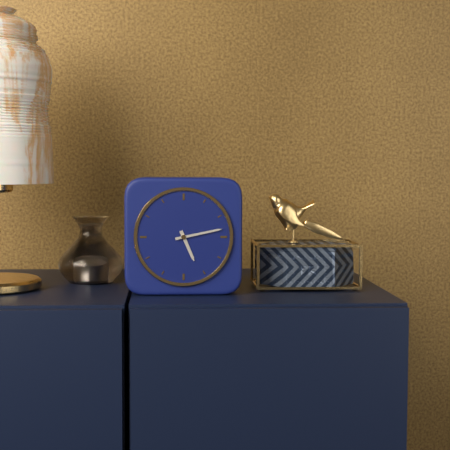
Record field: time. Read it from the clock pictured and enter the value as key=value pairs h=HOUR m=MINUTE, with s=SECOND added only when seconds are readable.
h=5 m=13
